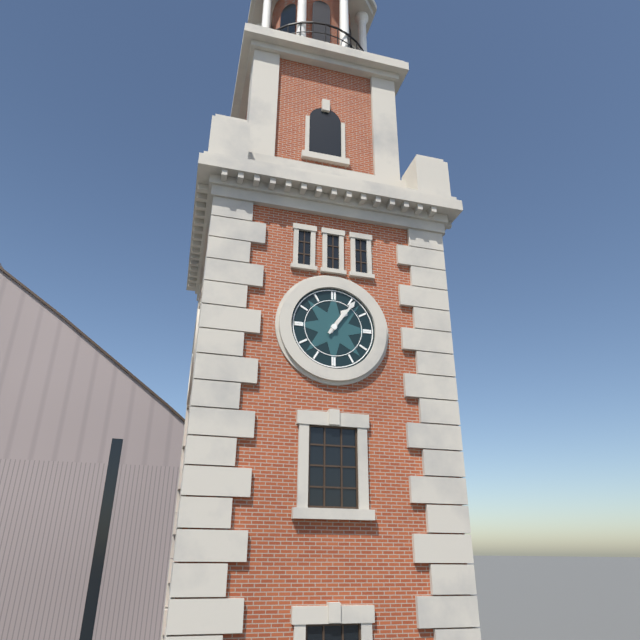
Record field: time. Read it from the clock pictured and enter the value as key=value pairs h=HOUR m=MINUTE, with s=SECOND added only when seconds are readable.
h=1 m=6
